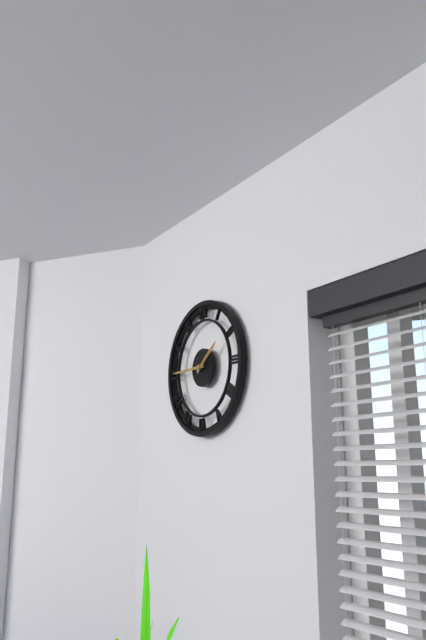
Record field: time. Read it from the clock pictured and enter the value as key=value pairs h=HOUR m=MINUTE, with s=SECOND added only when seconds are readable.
h=1 m=45
